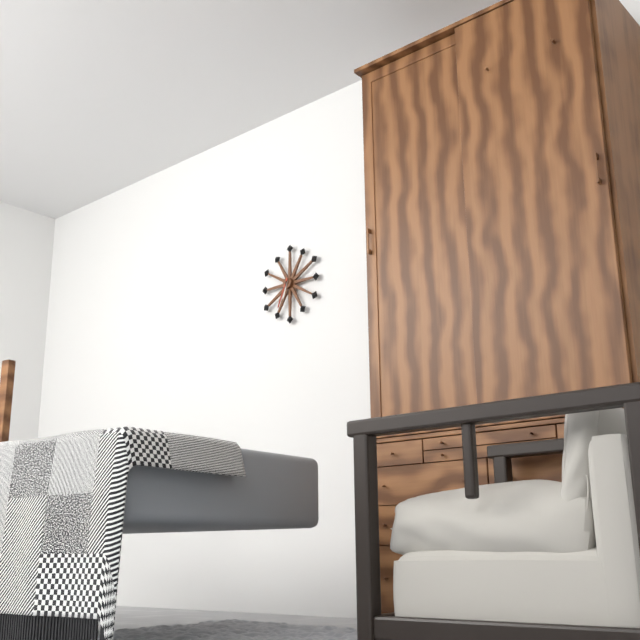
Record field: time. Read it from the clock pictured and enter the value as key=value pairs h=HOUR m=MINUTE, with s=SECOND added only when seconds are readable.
h=6 m=34
